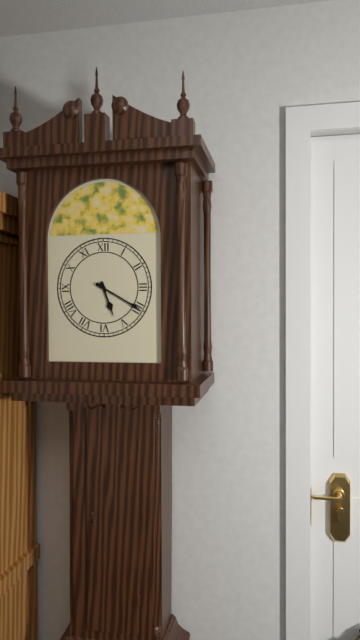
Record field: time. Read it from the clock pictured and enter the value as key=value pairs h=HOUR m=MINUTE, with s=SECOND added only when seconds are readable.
h=5 m=20
